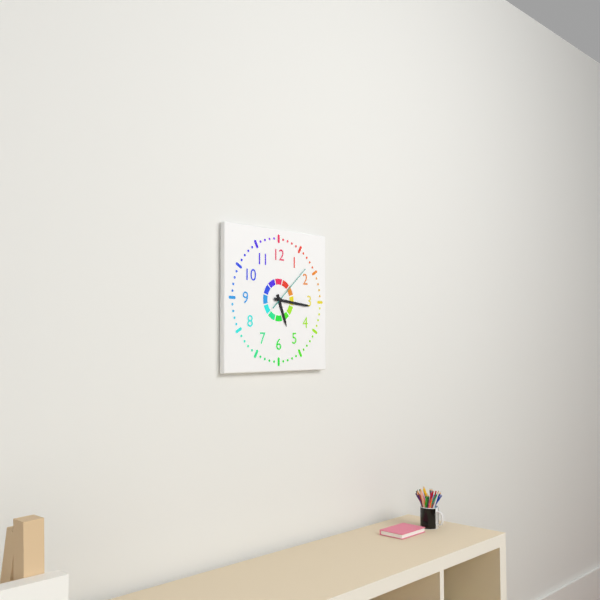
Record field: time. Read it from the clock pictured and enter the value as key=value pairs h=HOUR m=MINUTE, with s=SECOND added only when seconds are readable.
h=5 m=16 s=8
